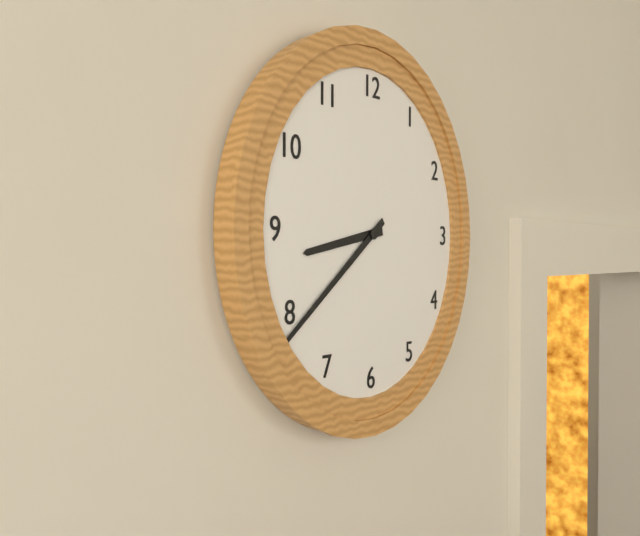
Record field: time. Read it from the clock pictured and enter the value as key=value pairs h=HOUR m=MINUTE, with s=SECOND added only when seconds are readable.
h=8 m=39
